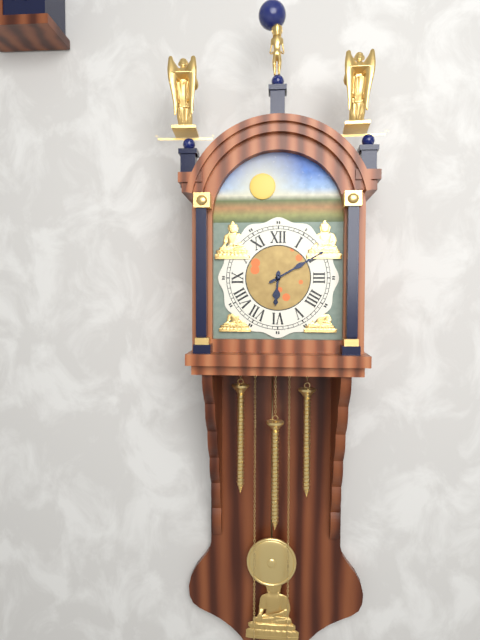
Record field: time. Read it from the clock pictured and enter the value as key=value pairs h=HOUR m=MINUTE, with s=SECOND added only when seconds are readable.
h=6 m=10
